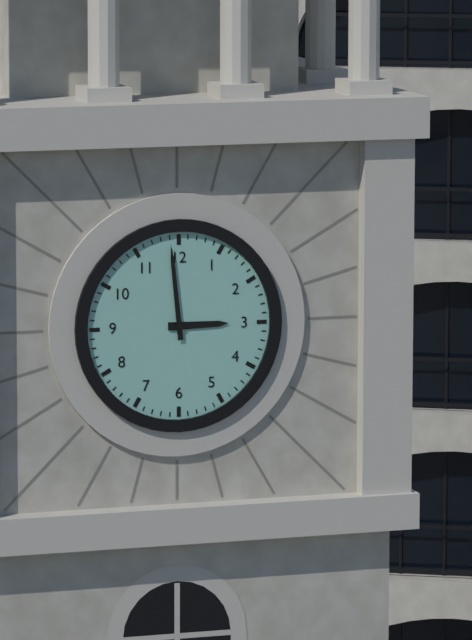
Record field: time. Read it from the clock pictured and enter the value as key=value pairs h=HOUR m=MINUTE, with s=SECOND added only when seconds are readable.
h=2 m=59
